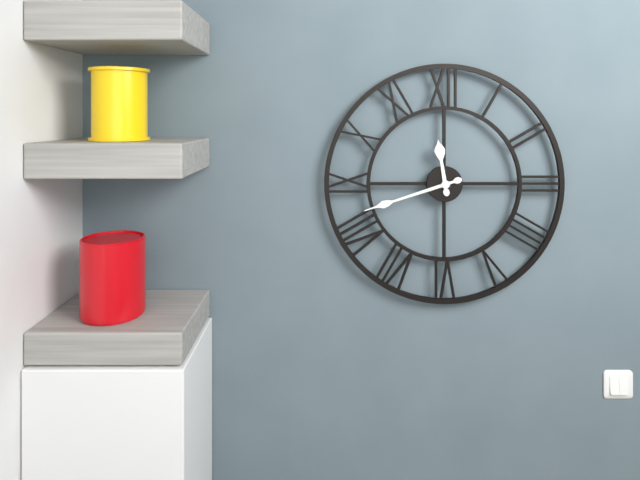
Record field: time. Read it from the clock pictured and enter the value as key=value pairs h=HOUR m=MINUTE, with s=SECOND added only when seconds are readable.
h=11 m=42
